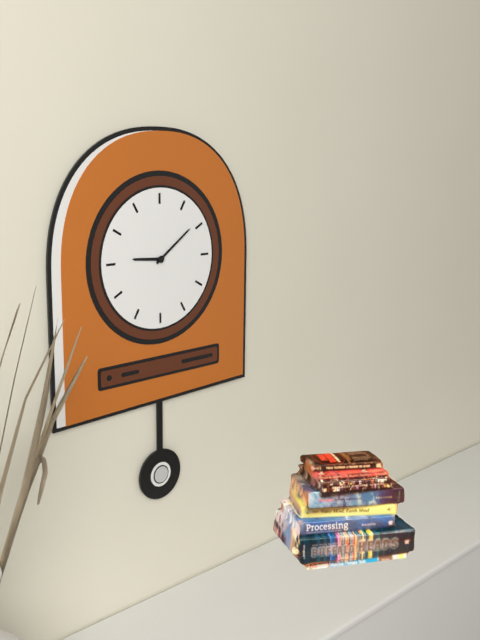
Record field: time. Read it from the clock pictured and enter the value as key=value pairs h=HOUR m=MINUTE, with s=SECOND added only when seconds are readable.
h=9 m=9
